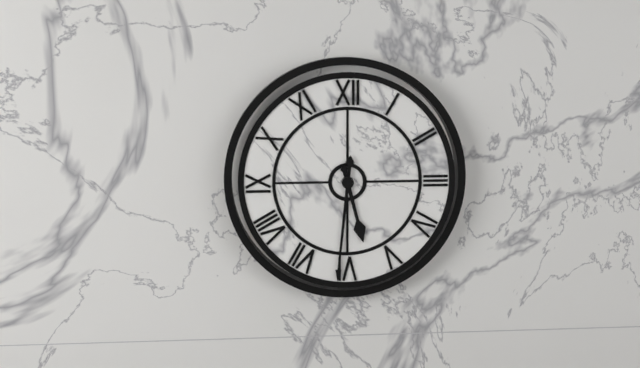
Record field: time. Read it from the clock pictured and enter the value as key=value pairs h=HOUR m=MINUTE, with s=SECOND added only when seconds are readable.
h=5 m=31
